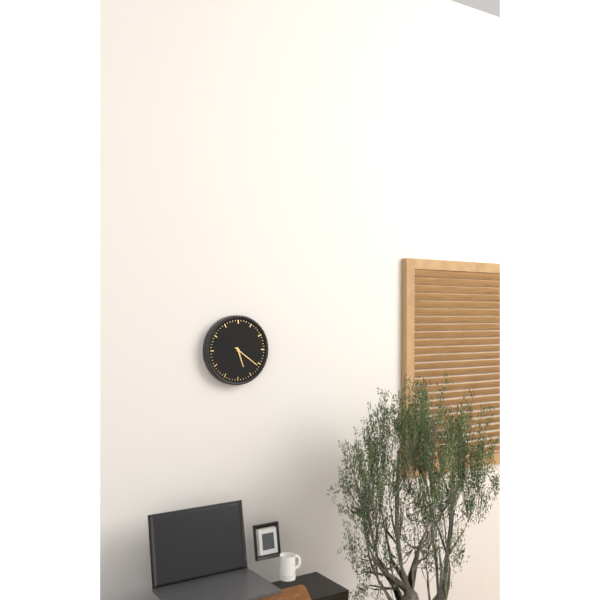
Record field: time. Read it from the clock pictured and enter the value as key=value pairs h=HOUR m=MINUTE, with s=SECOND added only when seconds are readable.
h=5 m=21
